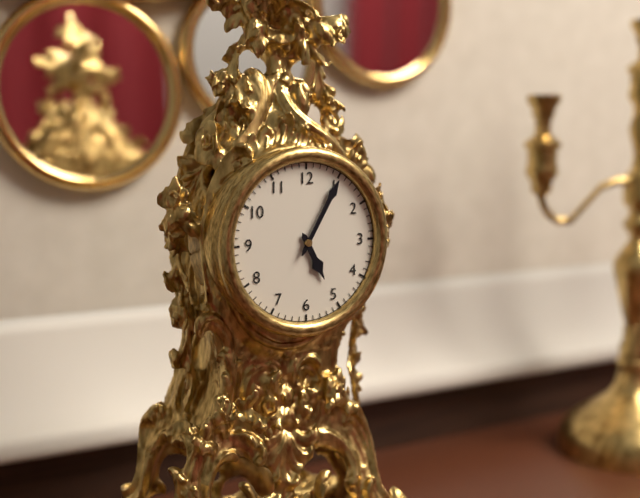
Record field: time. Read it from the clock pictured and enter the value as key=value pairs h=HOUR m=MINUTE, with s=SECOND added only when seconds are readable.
h=5 m=5
